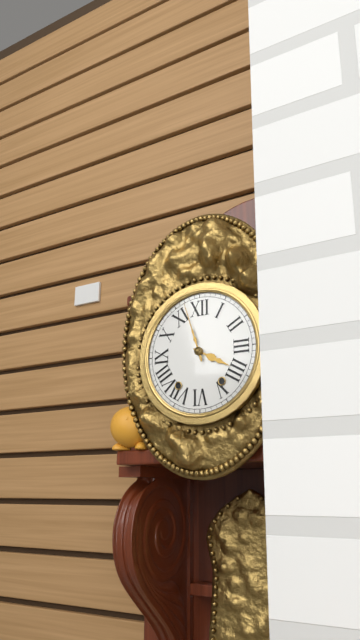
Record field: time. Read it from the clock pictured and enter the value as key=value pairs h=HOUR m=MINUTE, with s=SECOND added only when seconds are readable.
h=3 m=57
